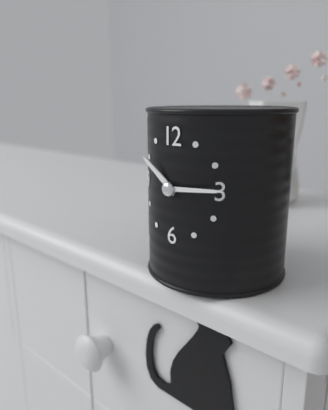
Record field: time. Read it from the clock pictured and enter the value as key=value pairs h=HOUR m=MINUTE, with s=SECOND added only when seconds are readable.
h=10 m=14
